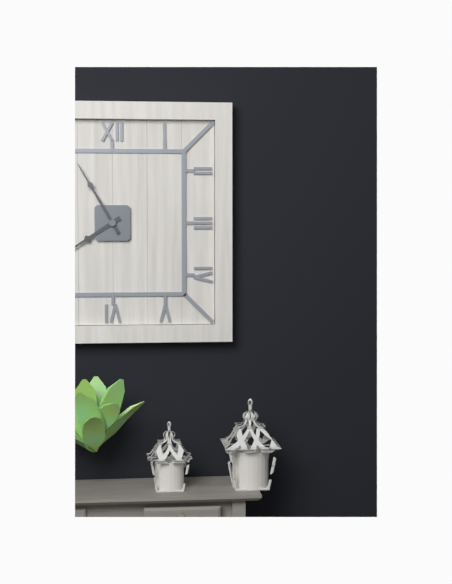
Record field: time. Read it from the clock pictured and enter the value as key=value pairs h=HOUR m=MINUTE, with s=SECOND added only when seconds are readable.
h=7 m=55
